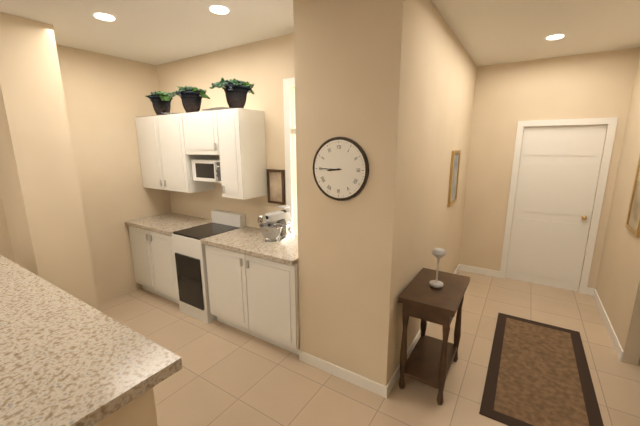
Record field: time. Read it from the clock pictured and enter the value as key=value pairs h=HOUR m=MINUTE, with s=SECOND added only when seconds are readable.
h=8 m=45
